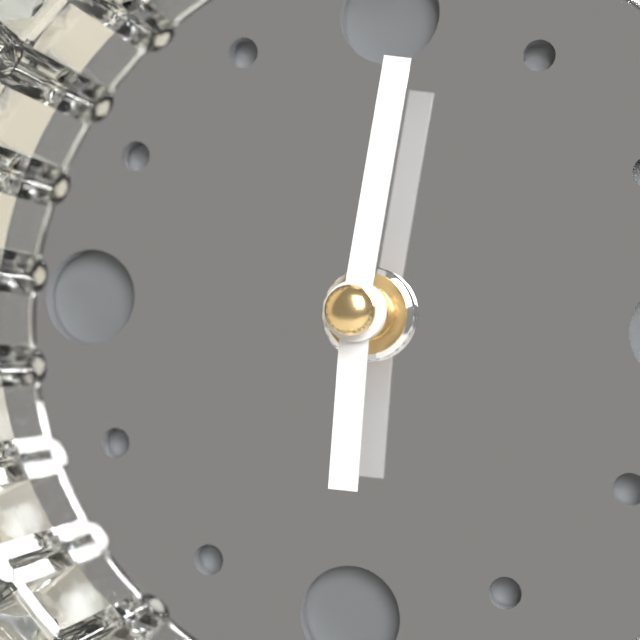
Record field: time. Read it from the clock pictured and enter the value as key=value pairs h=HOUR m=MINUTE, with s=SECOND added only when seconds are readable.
h=6 m=1
